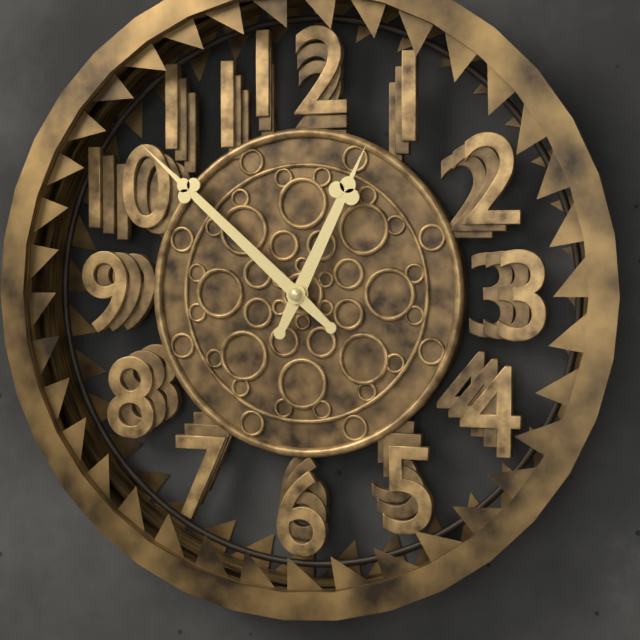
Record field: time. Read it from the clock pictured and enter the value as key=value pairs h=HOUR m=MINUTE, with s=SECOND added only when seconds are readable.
h=12 m=52
